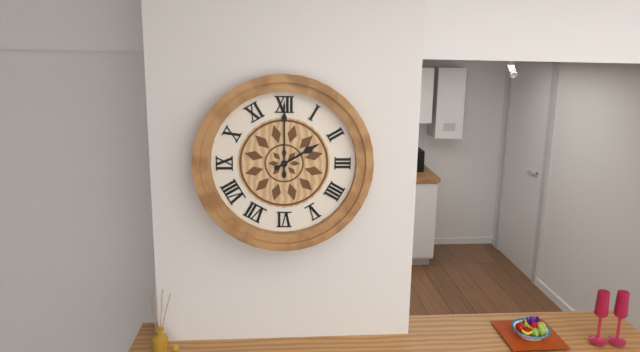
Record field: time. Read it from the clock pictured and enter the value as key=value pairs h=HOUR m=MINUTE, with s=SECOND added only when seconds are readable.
h=2 m=0
